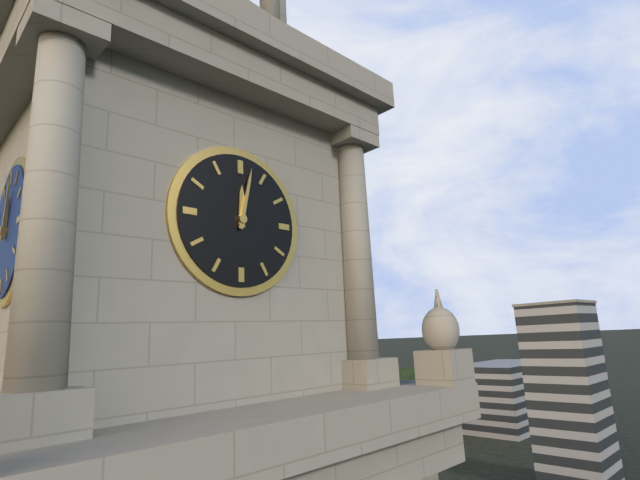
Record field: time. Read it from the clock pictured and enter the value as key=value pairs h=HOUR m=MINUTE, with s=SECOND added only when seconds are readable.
h=12 m=2
